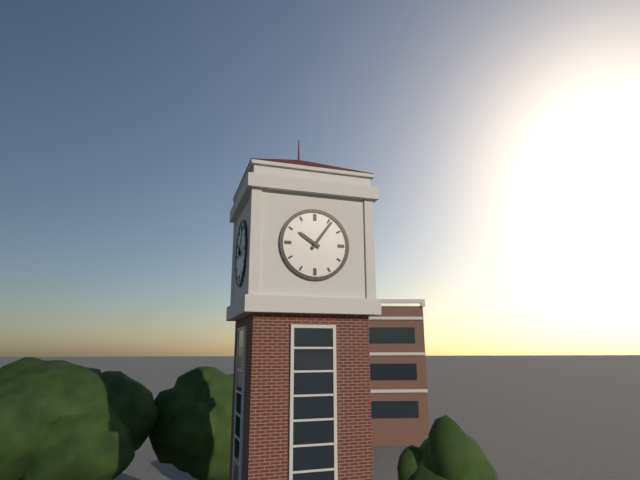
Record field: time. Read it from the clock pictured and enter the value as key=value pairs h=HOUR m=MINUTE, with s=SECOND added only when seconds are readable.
h=10 m=6
